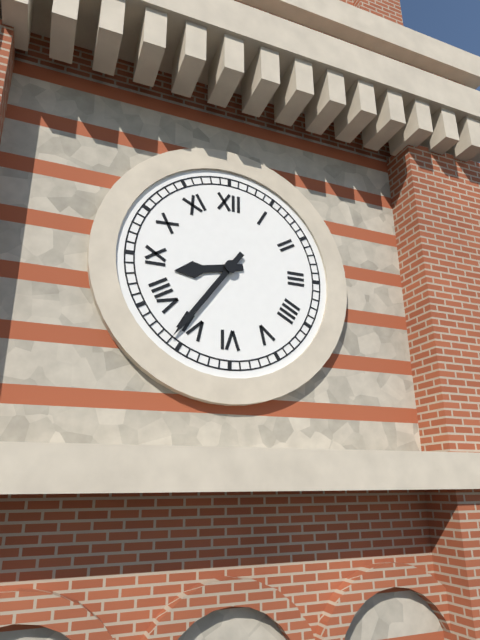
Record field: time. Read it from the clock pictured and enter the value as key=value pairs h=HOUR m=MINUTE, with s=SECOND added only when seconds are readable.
h=8 m=36
